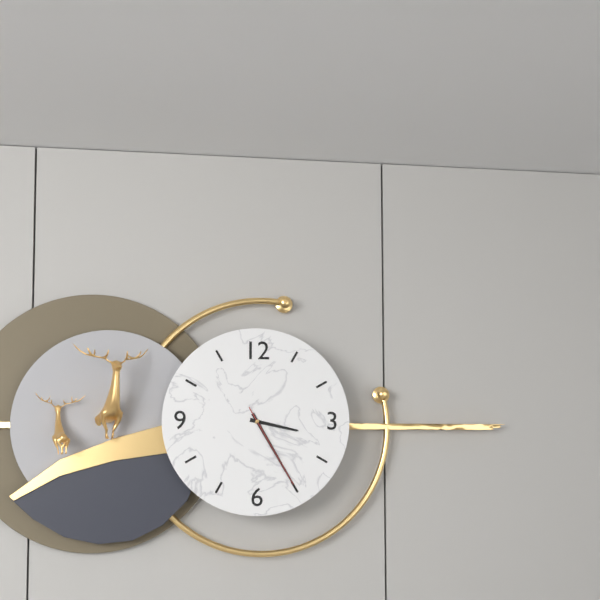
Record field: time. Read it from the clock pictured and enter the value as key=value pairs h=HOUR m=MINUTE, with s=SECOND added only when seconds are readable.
h=3 m=25 s=25
